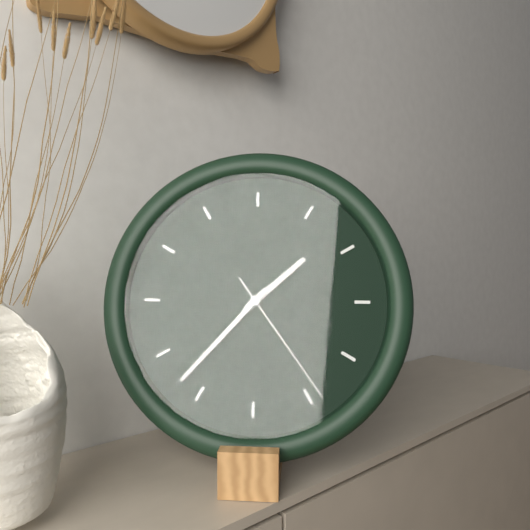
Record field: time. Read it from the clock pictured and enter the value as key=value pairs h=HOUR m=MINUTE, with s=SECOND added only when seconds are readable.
h=1 m=37 s=24
